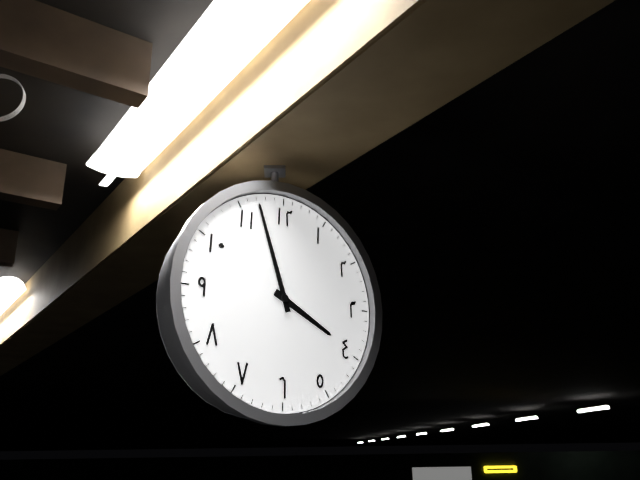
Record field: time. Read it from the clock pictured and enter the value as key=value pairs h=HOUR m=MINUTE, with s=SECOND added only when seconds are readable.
h=3 m=57
